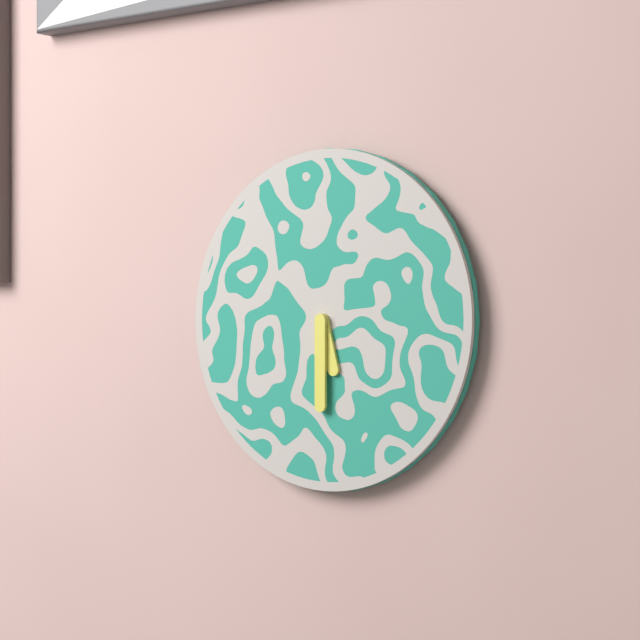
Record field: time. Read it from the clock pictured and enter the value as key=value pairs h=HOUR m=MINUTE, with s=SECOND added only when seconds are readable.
h=5 m=30
